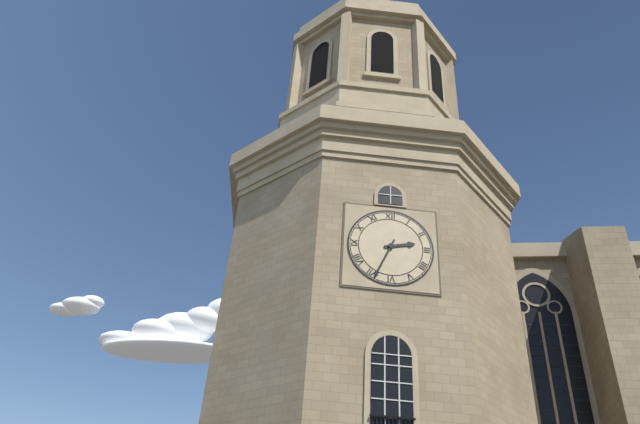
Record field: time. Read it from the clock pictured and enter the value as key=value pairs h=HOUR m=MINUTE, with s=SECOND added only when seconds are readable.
h=2 m=34
